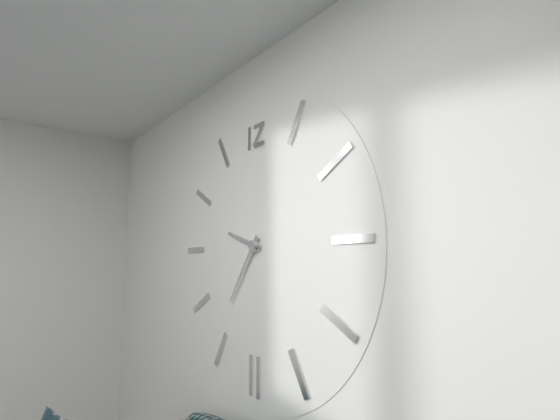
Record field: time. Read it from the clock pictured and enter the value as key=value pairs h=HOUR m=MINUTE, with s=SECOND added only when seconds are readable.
h=9 m=36
